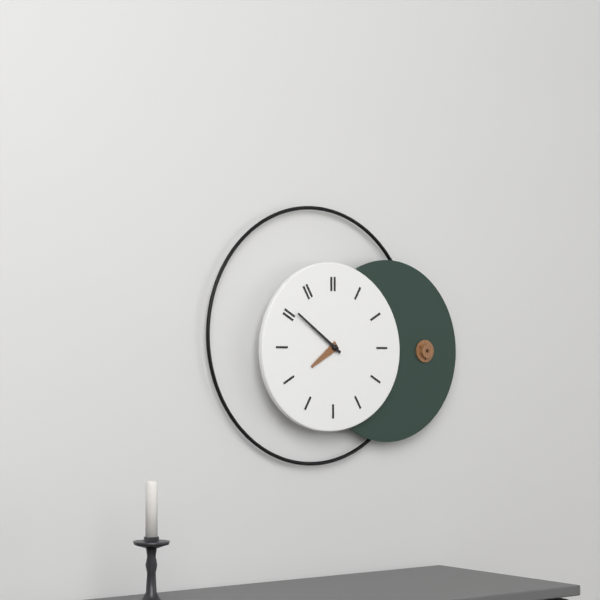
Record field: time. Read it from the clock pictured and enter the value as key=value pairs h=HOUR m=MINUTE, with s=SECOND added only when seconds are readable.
h=7 m=51
